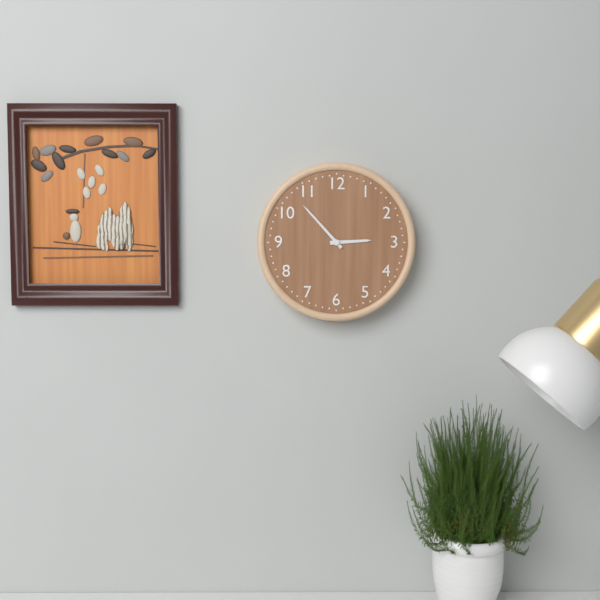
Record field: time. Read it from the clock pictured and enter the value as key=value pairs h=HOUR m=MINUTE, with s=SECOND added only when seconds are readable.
h=2 m=53
